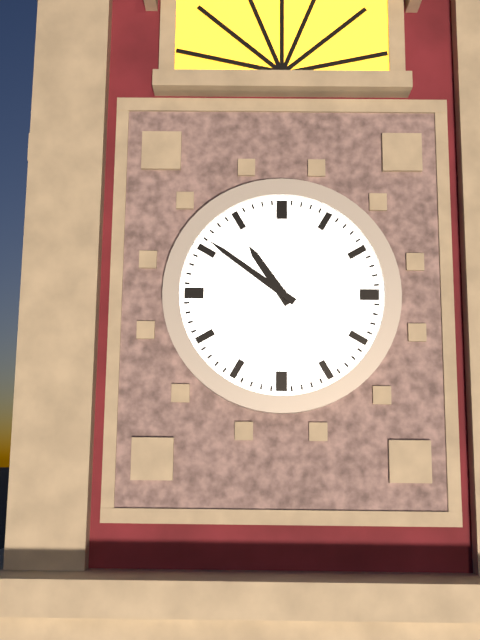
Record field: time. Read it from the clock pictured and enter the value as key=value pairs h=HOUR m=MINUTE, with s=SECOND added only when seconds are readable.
h=10 m=51
